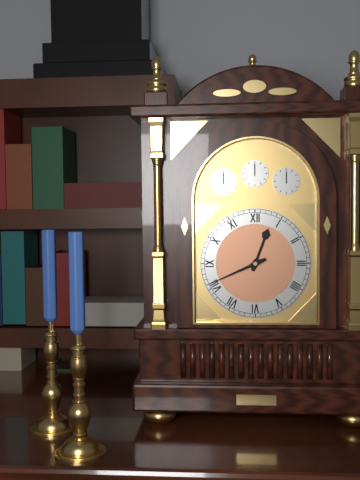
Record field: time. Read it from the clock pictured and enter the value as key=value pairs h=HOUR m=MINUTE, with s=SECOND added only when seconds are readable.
h=12 m=41
